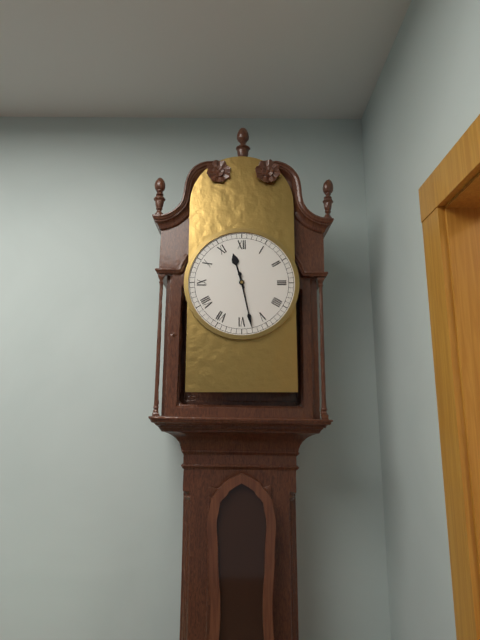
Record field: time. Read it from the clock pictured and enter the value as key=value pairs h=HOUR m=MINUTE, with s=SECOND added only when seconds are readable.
h=11 m=28
